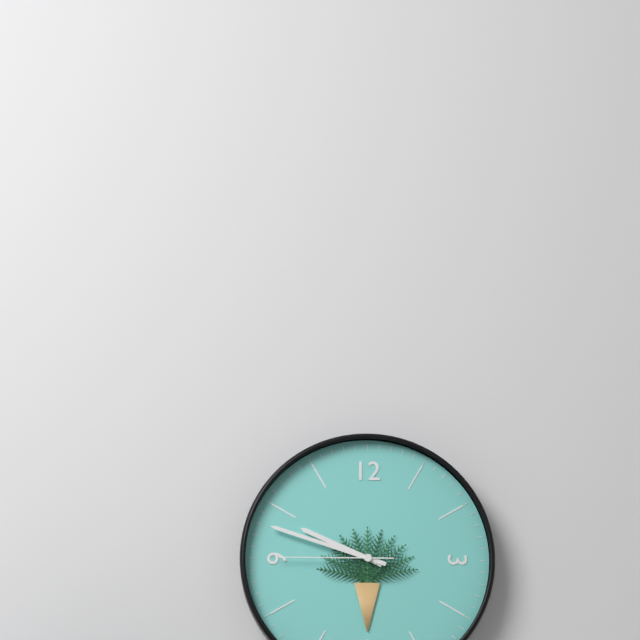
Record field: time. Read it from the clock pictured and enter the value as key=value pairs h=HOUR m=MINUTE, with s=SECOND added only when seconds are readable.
h=9 m=48 s=45
